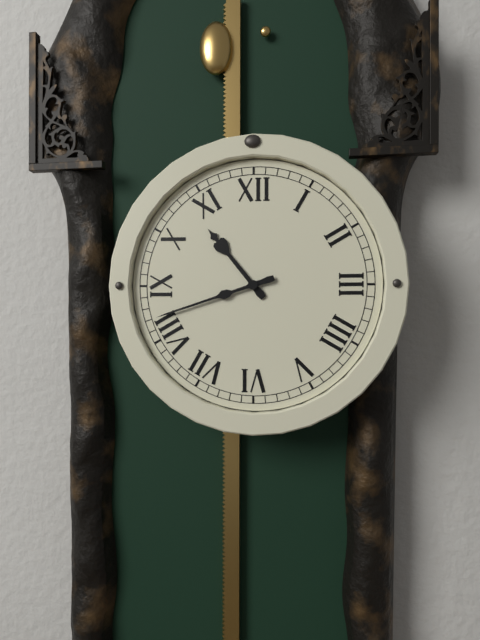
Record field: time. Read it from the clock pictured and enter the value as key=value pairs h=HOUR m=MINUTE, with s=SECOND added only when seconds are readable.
h=10 m=42
